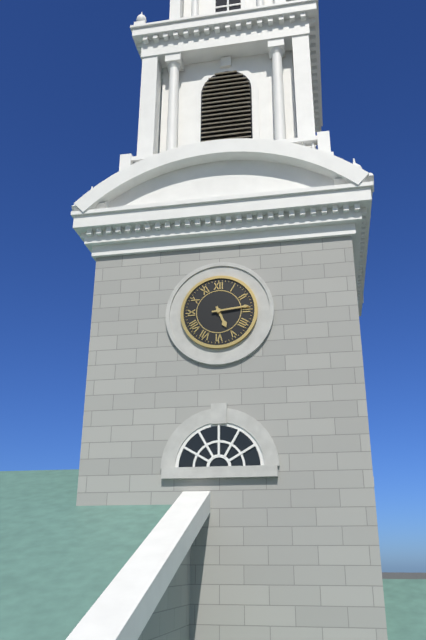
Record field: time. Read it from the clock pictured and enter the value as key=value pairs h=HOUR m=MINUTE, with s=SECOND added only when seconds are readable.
h=5 m=14
